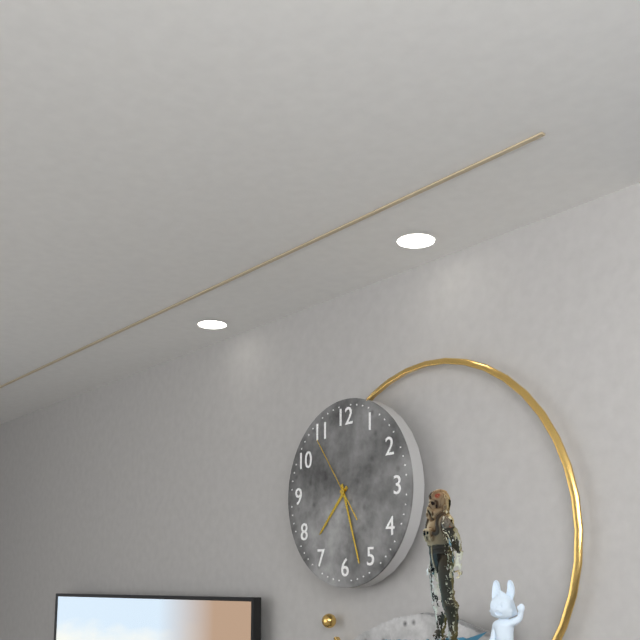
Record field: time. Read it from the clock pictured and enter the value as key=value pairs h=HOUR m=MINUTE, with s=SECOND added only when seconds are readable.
h=7 m=27 s=54
